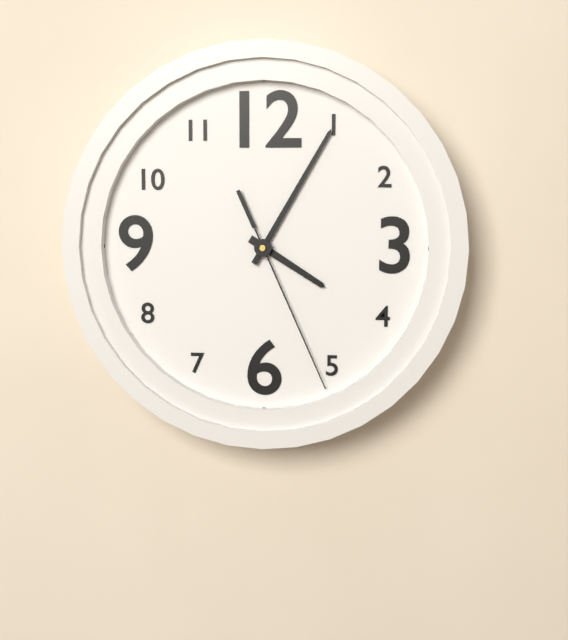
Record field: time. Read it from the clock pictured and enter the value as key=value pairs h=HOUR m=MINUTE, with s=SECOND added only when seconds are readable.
h=4 m=5 s=26
